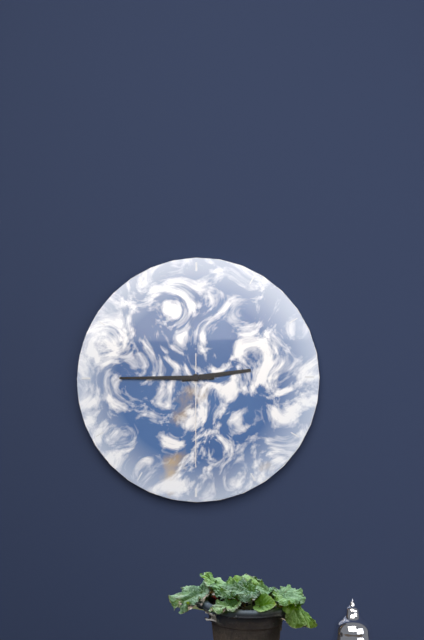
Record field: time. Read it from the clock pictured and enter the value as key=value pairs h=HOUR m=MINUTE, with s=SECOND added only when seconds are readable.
h=2 m=45 s=30
